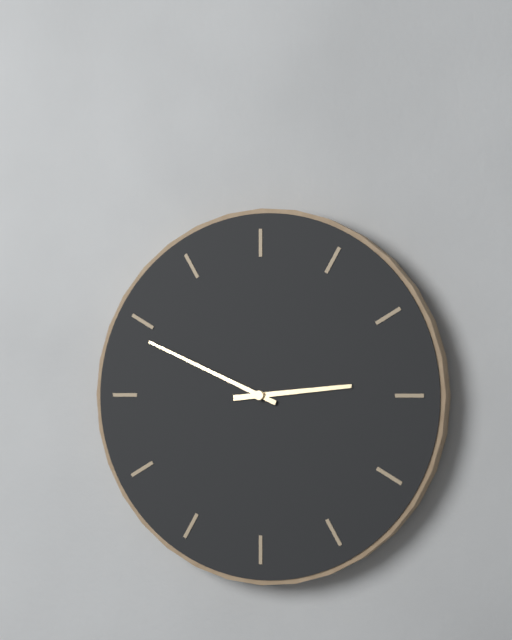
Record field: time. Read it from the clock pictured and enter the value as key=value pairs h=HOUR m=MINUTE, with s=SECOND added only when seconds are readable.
h=2 m=49
